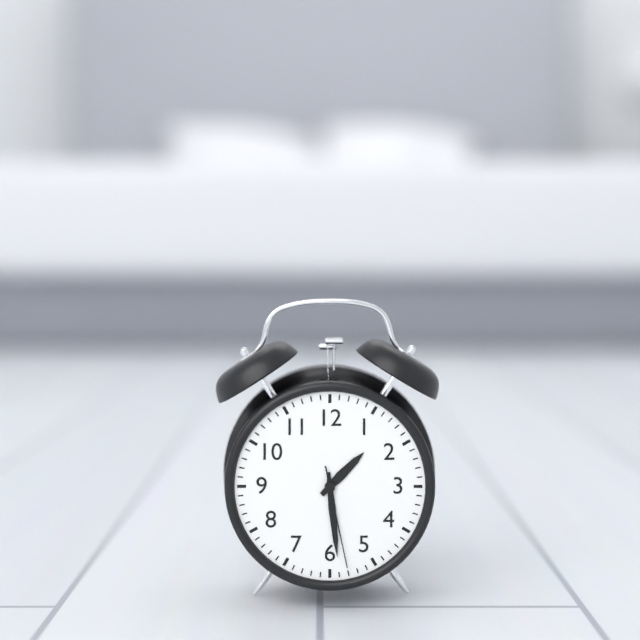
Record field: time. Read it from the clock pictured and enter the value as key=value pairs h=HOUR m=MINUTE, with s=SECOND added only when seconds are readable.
h=1 m=29 s=28
